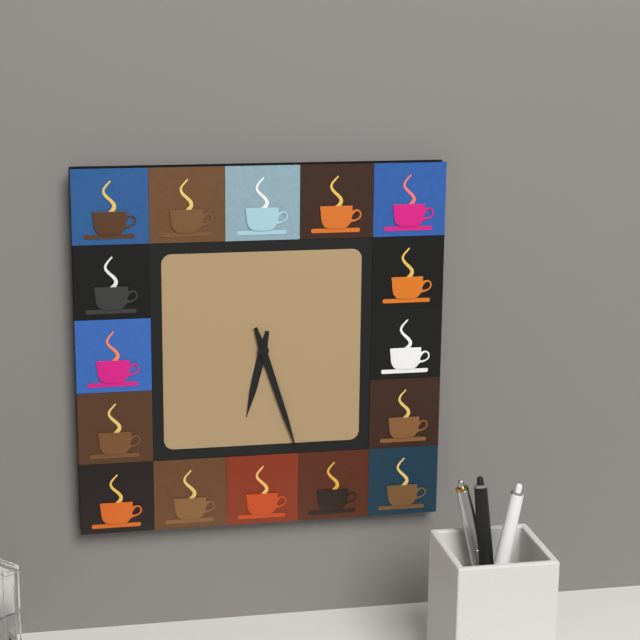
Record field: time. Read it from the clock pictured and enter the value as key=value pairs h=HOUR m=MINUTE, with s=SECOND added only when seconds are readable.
h=6 m=27
